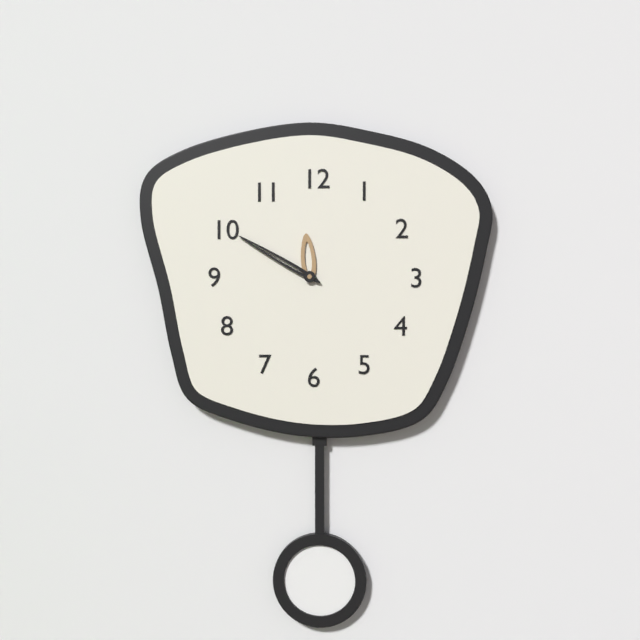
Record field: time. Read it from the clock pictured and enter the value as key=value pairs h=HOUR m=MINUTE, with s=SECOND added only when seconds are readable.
h=11 m=50
